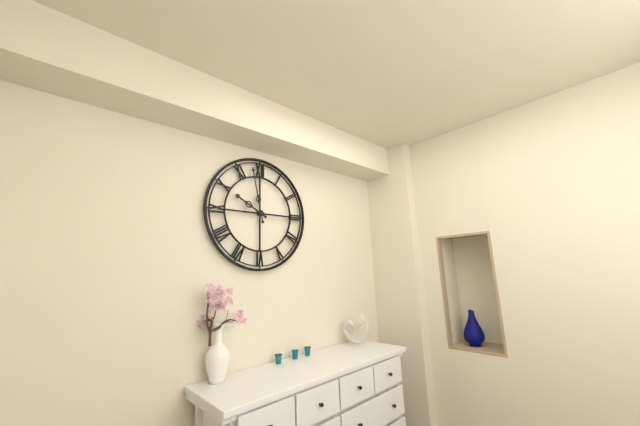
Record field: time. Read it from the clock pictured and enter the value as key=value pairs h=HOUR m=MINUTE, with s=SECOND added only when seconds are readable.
h=9 m=58
